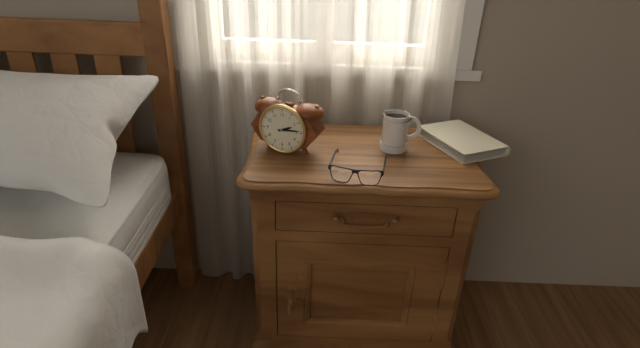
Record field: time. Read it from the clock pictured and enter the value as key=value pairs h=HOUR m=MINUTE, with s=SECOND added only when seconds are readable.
h=2 m=14
